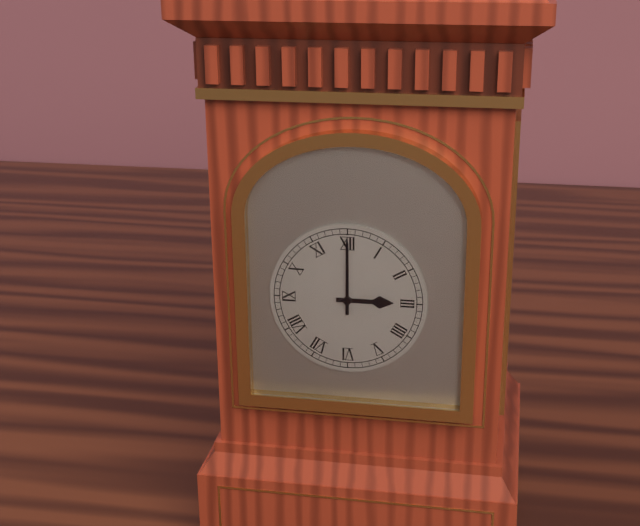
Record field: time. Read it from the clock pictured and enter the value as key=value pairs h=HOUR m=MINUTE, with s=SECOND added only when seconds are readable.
h=3 m=0
